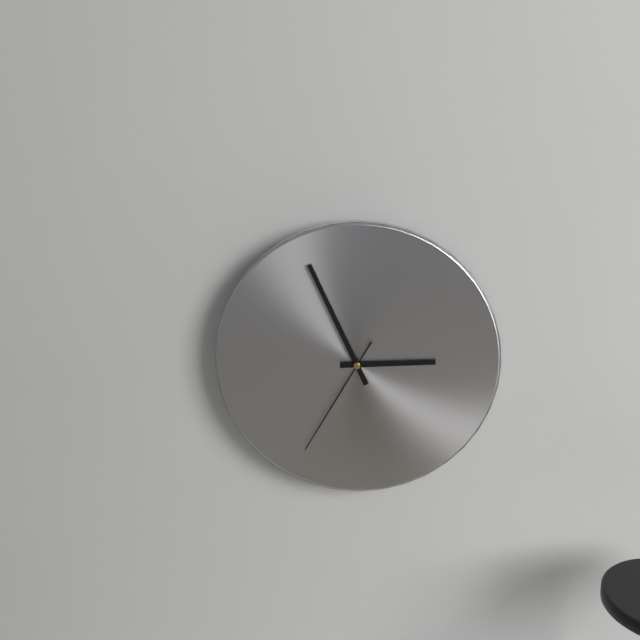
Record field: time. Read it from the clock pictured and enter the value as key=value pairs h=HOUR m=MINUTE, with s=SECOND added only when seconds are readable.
h=2 m=56 s=35
